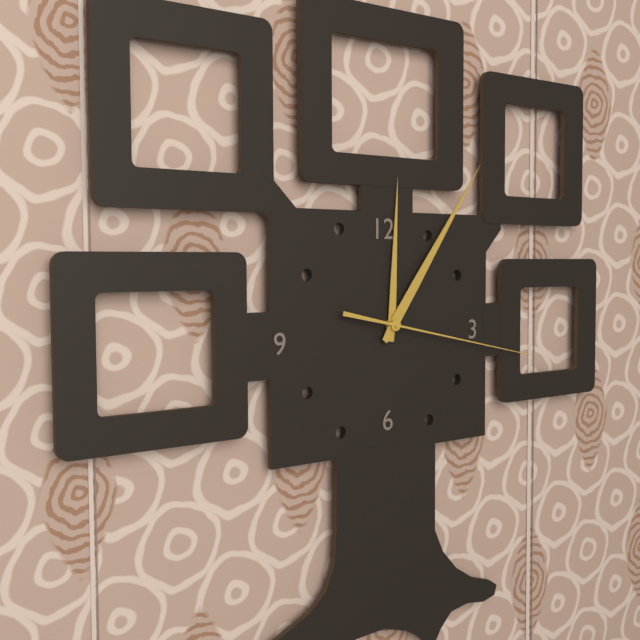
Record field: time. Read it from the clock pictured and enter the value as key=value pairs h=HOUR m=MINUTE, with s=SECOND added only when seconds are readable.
h=12 m=6 s=17
